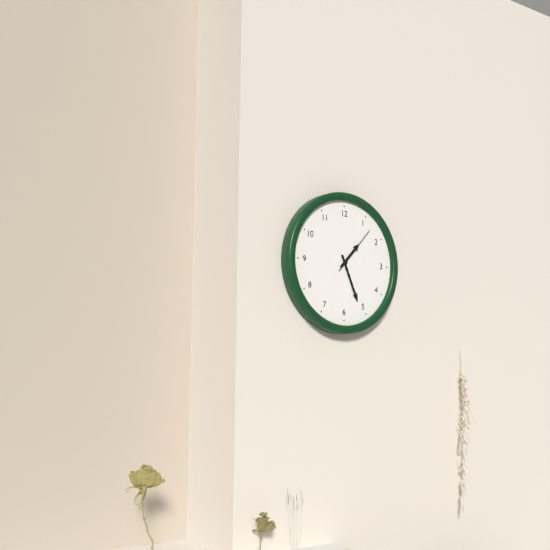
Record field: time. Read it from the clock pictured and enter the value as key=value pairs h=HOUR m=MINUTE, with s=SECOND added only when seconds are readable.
h=1 m=26 s=7
